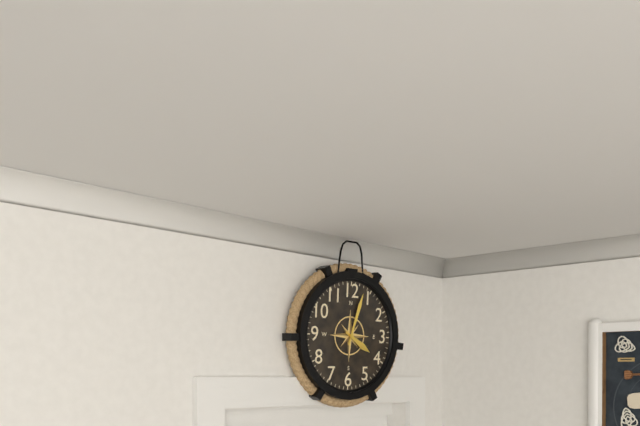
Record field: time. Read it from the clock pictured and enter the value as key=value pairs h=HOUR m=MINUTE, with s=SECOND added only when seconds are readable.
h=4 m=3
